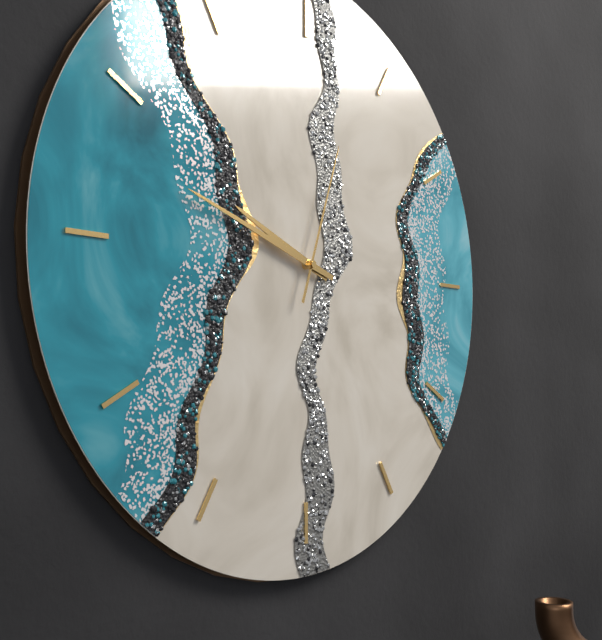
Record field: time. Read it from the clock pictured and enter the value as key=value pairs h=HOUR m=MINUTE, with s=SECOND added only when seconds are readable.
h=9 m=48 s=3
